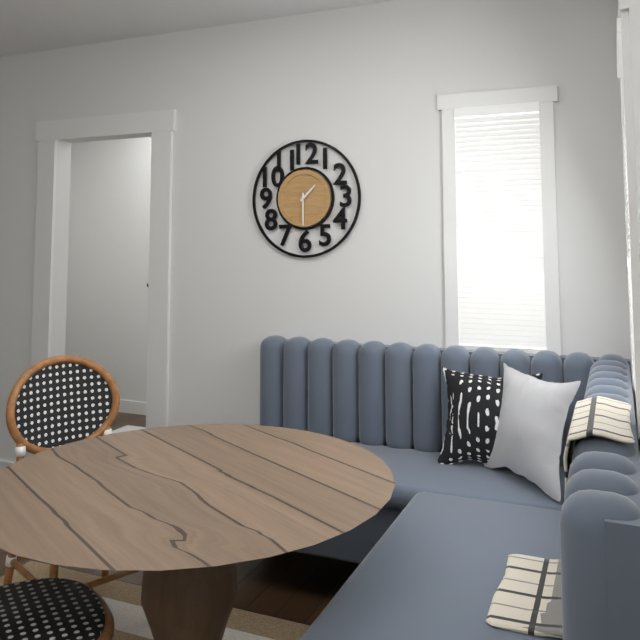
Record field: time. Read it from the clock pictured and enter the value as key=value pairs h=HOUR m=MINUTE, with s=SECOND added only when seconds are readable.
h=1 m=30
